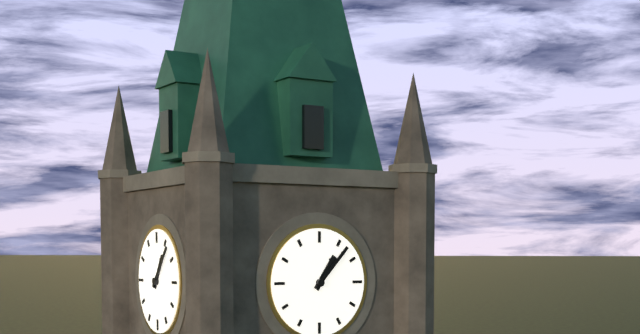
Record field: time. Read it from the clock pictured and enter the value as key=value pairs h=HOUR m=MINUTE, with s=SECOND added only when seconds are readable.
h=1 m=7
